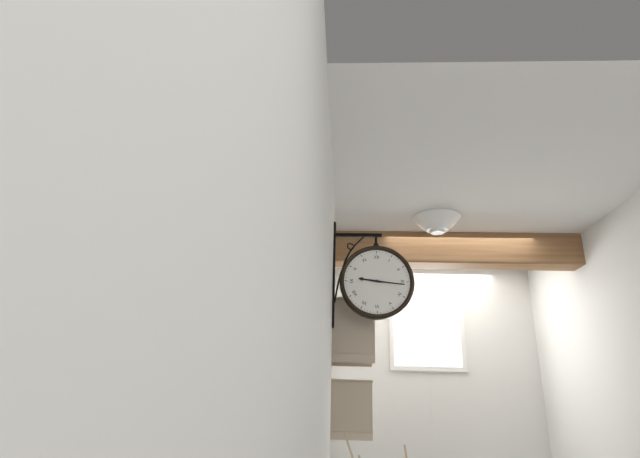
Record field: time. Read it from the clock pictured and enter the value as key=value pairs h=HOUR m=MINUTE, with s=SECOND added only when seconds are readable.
h=9 m=16
